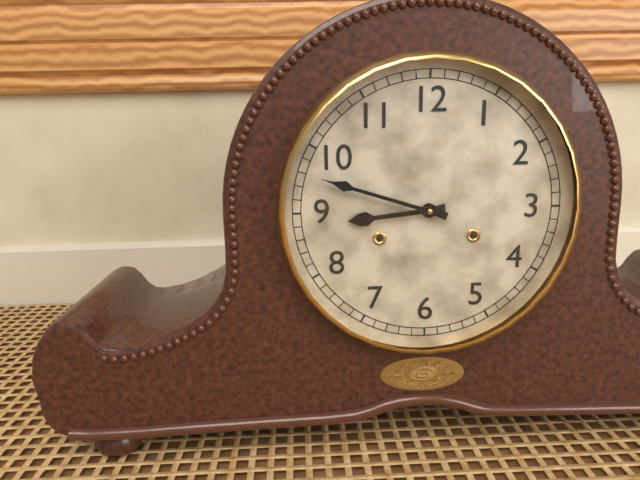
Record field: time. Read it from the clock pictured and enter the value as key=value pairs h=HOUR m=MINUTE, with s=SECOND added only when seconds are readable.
h=8 m=48
